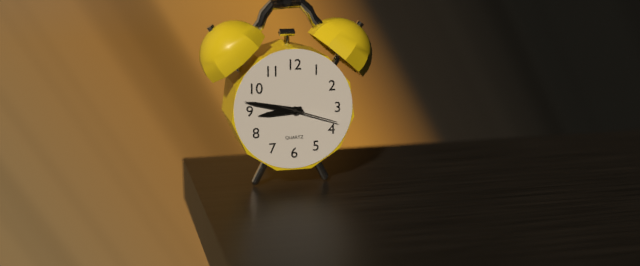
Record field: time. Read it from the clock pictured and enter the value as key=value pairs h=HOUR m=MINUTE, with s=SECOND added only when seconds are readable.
h=8 m=47 s=18
